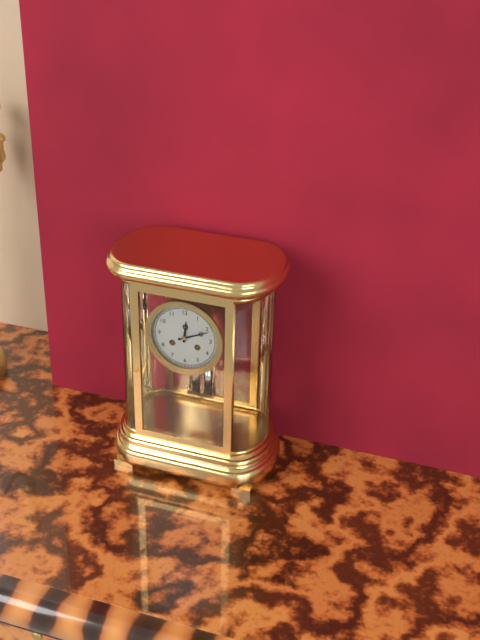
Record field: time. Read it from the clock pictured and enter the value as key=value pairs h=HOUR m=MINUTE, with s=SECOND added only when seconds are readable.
h=12 m=11
